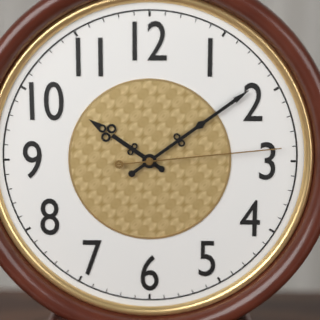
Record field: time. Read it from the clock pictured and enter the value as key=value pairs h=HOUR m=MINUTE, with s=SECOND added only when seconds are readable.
h=10 m=9 s=14
